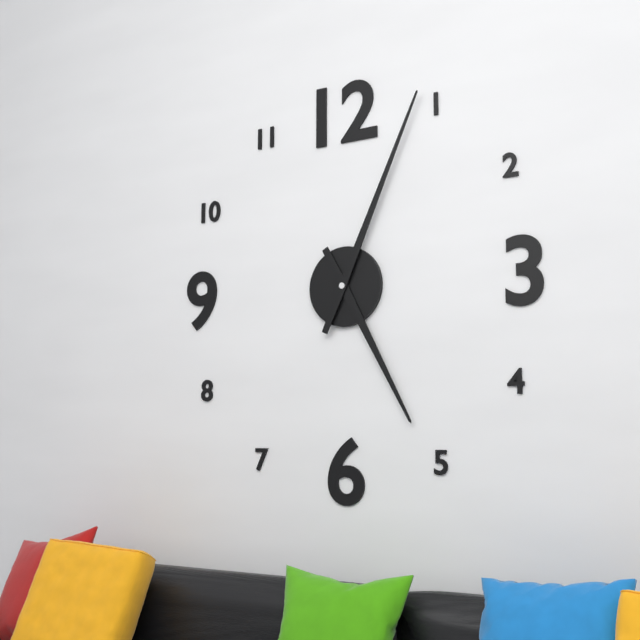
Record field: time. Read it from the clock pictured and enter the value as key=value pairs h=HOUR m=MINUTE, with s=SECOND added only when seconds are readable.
h=5 m=4
